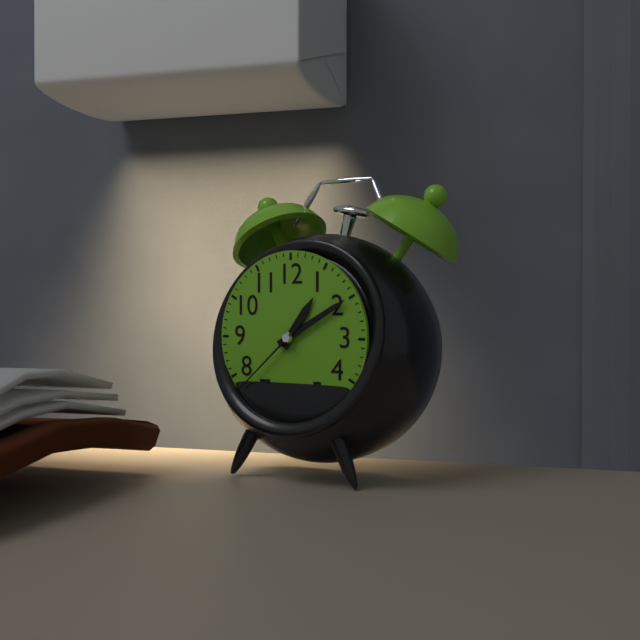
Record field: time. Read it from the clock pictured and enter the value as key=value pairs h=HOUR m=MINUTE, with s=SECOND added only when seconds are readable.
h=1 m=10 s=38
